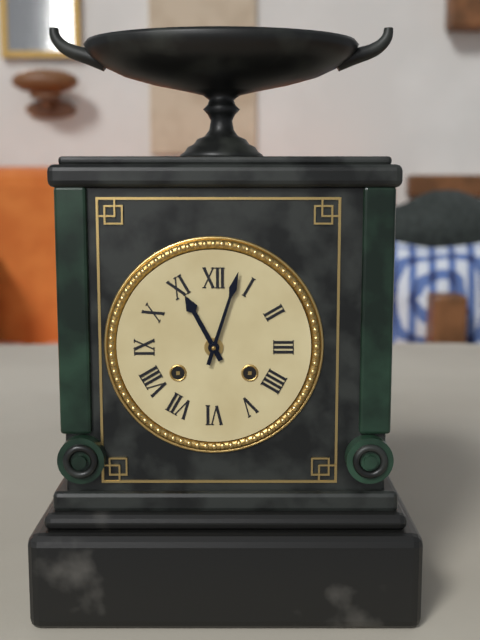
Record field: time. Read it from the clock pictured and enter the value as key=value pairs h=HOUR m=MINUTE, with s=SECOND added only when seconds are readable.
h=11 m=3
